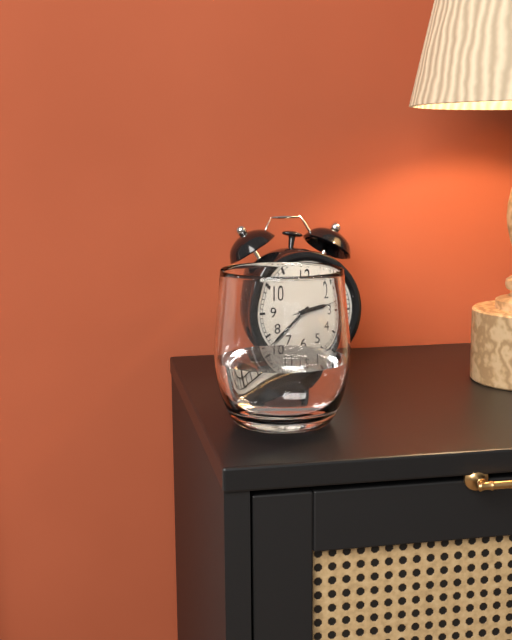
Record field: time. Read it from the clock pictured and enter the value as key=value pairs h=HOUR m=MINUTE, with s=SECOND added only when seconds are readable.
h=2 m=38 s=13
